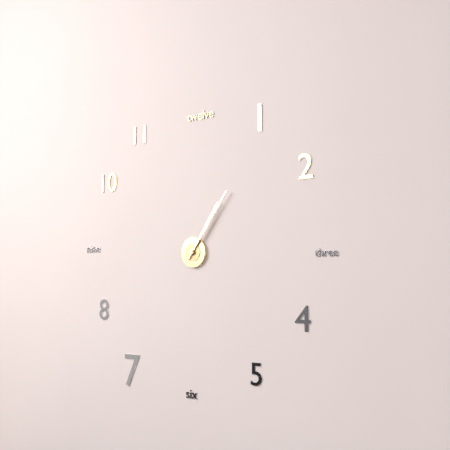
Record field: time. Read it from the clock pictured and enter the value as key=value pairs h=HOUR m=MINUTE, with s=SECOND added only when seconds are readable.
h=1 m=6
